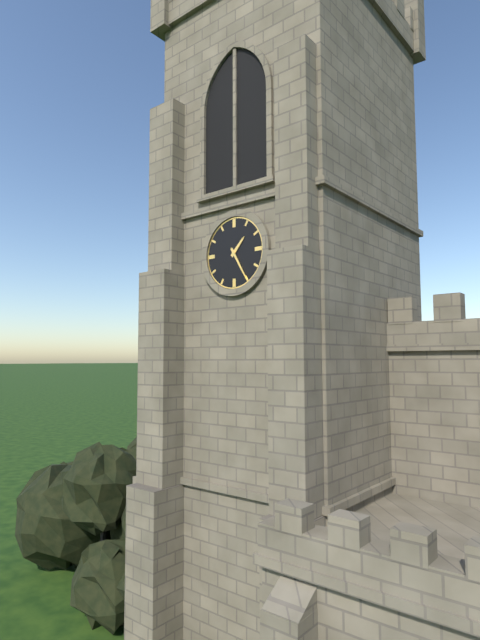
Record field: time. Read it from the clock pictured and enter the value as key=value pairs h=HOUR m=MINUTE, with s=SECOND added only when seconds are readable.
h=1 m=25
